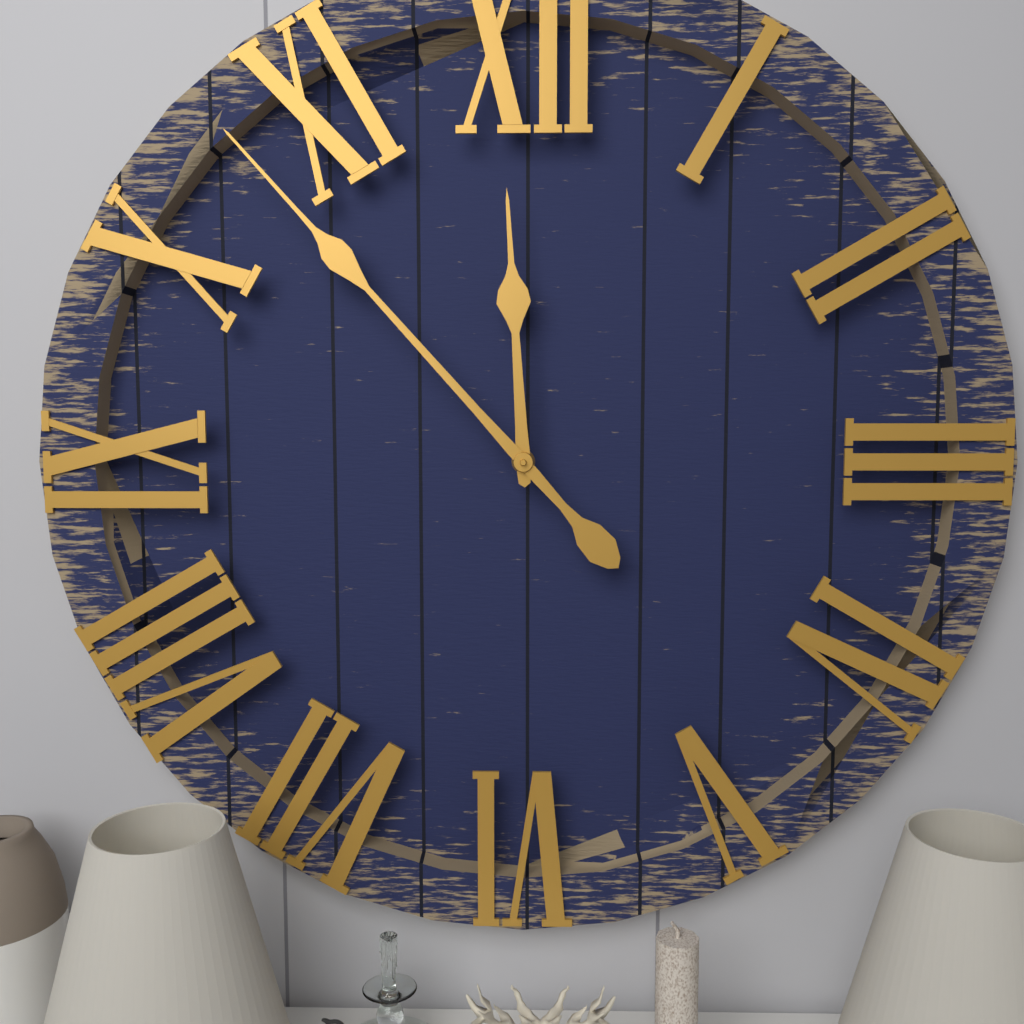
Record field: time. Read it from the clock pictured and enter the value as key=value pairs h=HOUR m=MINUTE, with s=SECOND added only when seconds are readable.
h=11 m=53
